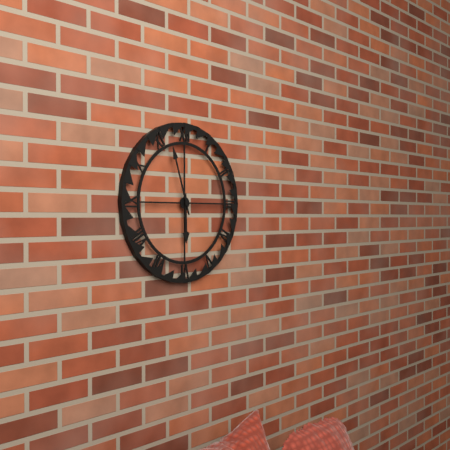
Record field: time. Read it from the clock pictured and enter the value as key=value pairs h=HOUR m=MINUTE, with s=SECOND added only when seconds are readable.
h=5 m=57
